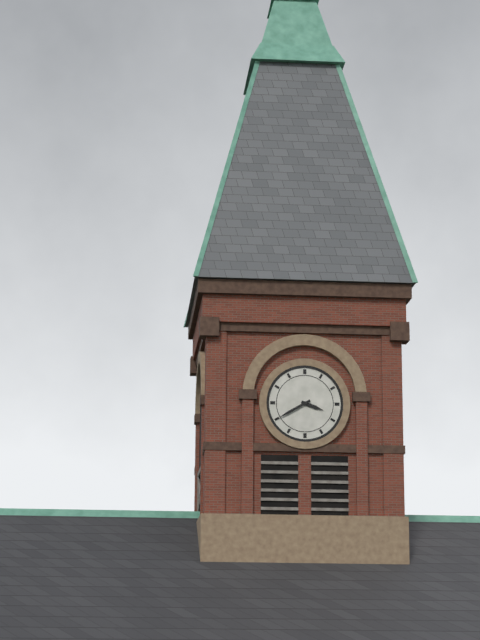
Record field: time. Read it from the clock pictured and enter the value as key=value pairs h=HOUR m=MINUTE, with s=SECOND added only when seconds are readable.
h=3 m=40
